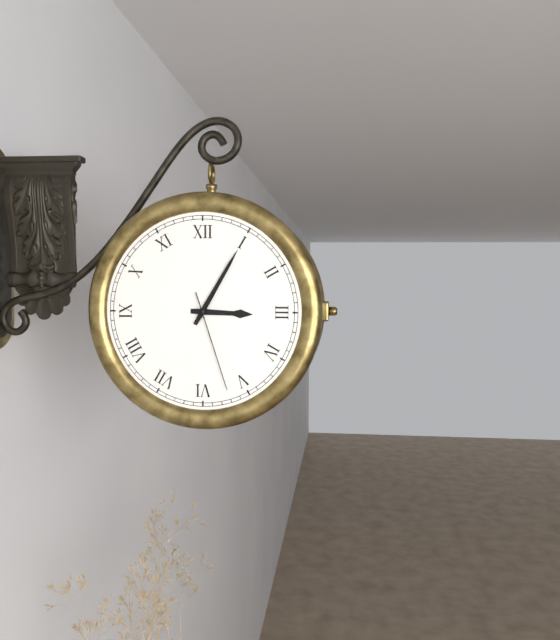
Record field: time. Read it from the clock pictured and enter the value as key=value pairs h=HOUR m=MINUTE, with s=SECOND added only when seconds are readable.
h=3 m=5 s=27
